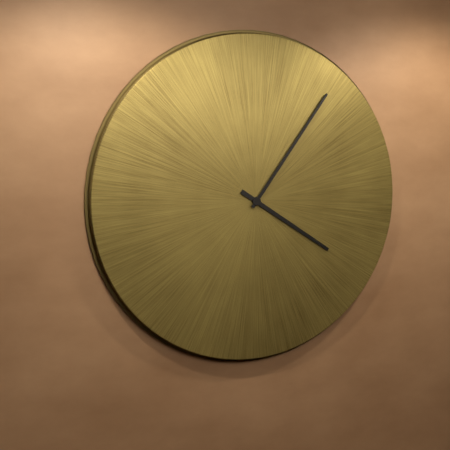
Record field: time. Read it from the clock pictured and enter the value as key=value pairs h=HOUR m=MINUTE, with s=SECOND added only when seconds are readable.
h=4 m=6
